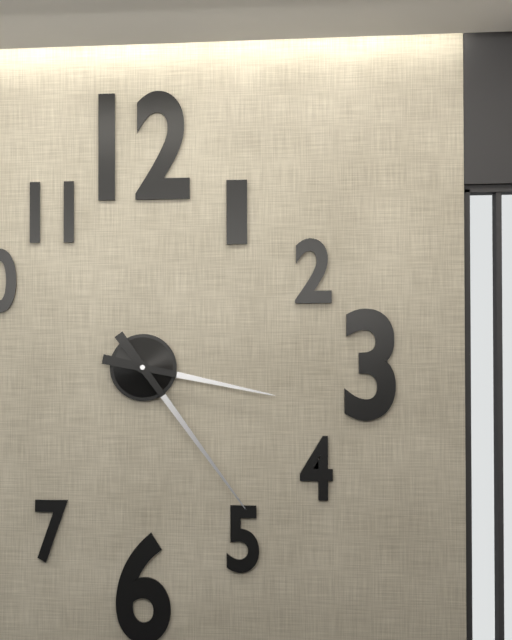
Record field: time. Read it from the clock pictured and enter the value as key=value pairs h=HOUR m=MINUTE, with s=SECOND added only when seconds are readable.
h=3 m=24
